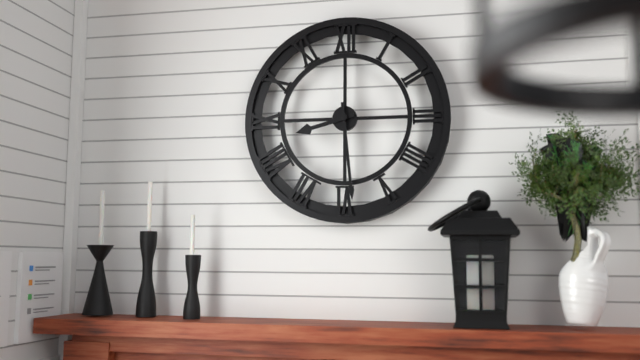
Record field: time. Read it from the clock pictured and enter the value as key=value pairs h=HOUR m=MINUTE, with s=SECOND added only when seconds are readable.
h=8 m=29
